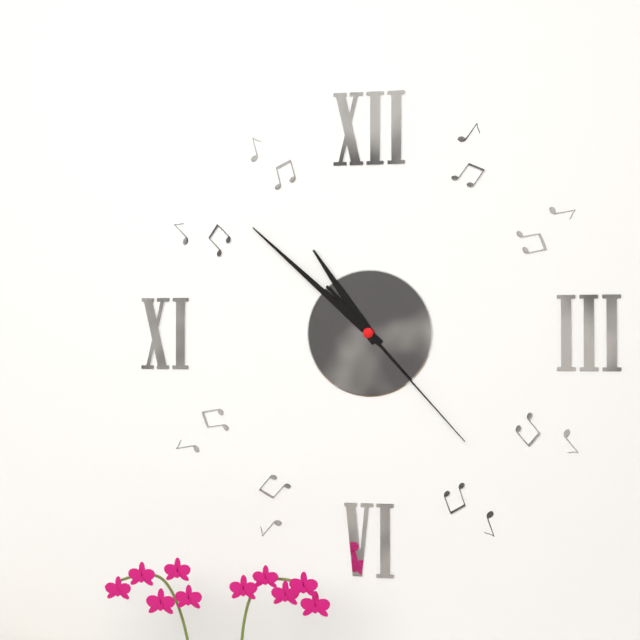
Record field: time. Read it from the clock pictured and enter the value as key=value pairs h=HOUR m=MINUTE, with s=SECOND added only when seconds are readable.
h=10 m=52 s=23
